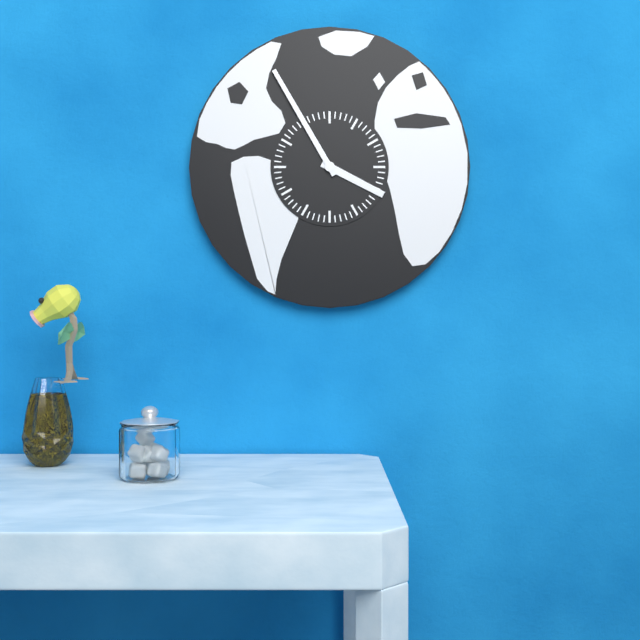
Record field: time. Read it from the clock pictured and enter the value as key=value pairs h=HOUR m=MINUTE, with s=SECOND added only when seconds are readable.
h=3 m=55
